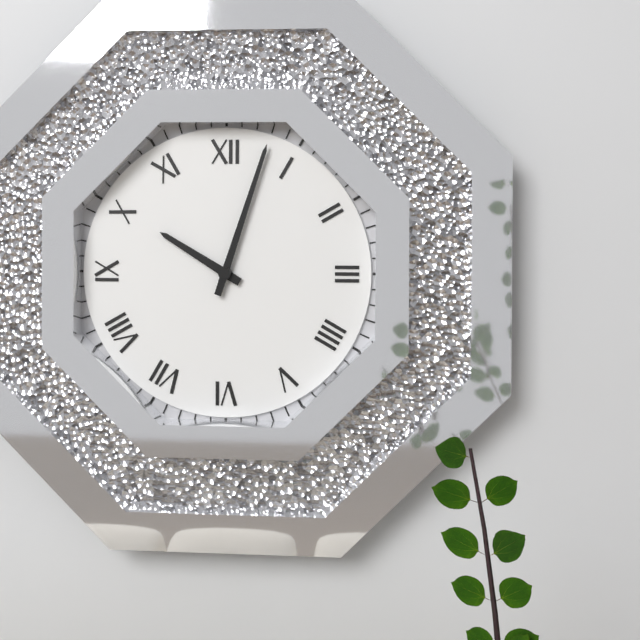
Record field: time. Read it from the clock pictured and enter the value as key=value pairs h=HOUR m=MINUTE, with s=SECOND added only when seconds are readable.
h=10 m=3
